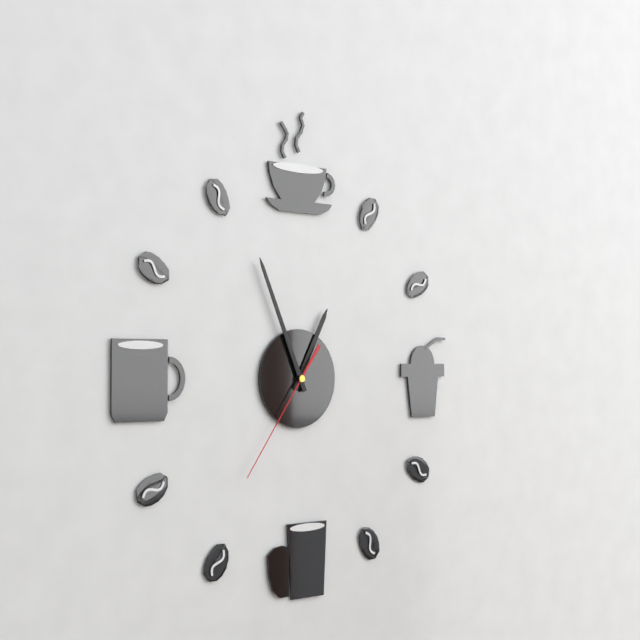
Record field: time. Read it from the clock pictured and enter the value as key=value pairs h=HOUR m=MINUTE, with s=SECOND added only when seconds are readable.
h=12 m=56 s=36
